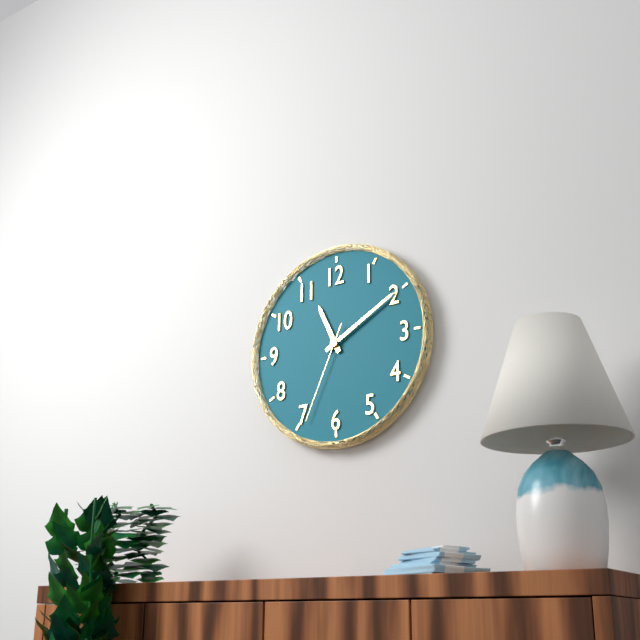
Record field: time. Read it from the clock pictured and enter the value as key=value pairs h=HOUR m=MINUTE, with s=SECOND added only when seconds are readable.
h=11 m=10 s=34
